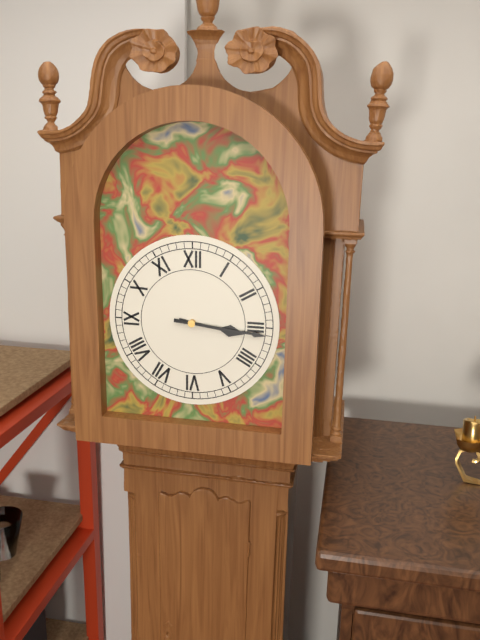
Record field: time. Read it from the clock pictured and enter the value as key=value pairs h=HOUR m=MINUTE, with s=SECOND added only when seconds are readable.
h=3 m=16
